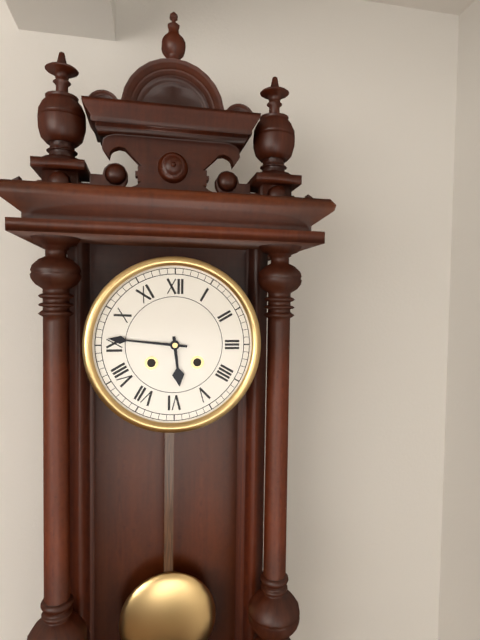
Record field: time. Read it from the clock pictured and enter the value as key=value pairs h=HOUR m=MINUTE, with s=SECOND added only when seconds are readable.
h=5 m=46
